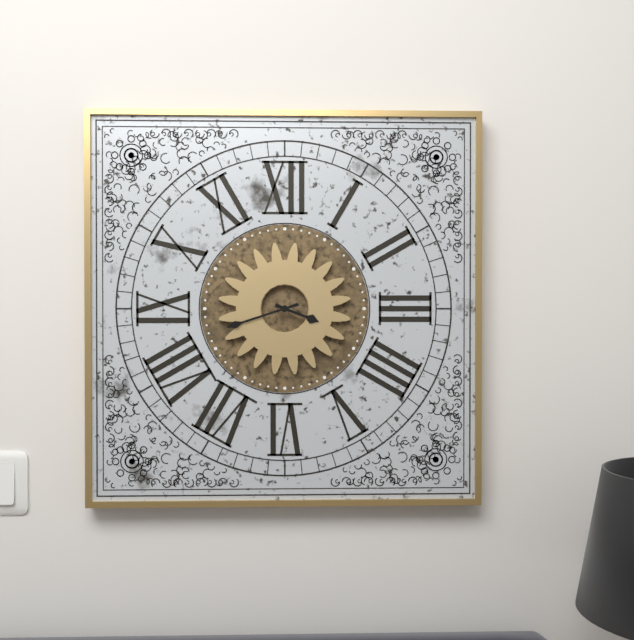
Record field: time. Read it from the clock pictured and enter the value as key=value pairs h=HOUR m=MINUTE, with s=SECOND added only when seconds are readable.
h=3 m=42
